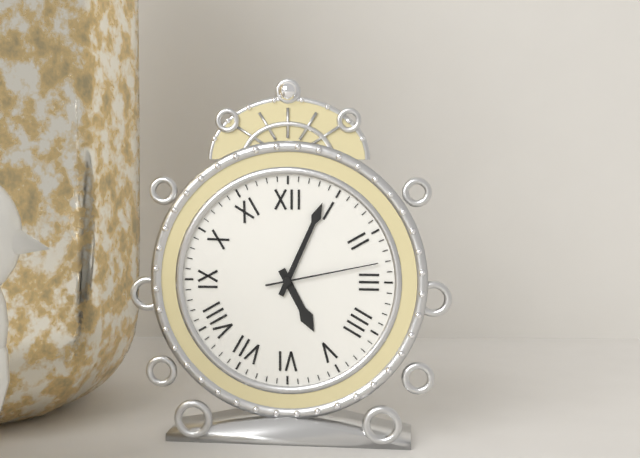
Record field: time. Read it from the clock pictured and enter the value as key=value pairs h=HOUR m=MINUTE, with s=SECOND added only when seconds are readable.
h=5 m=4 s=13
